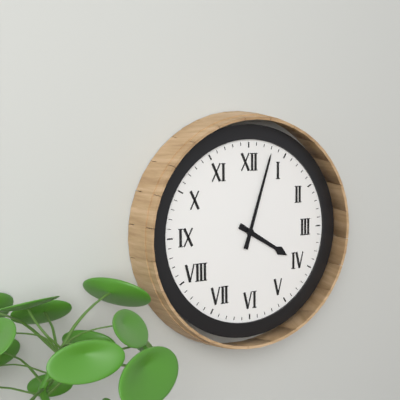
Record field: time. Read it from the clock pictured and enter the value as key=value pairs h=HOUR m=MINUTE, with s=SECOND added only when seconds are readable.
h=4 m=3
